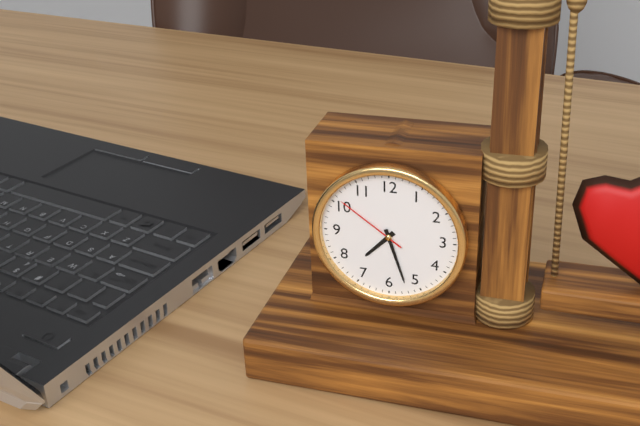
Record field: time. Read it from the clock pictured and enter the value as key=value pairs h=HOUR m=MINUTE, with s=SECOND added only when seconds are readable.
h=7 m=27 s=51
